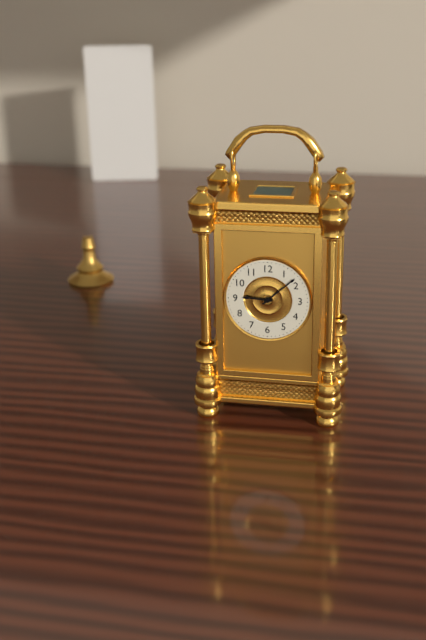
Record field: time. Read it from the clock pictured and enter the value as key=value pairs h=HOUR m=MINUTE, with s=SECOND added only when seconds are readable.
h=9 m=8
